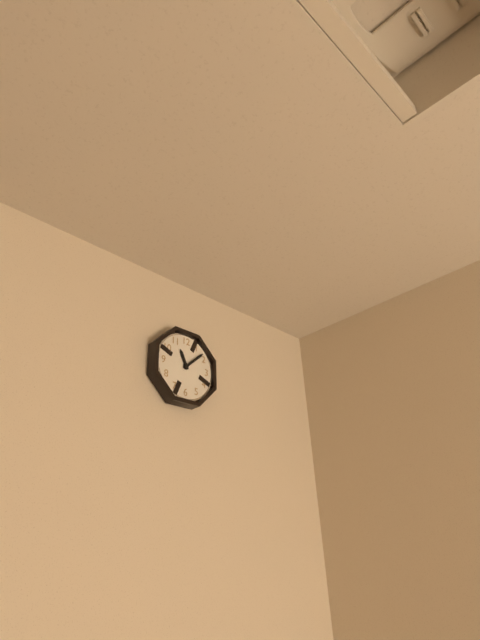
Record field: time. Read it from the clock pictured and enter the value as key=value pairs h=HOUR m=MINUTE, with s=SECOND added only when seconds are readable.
h=11 m=8
